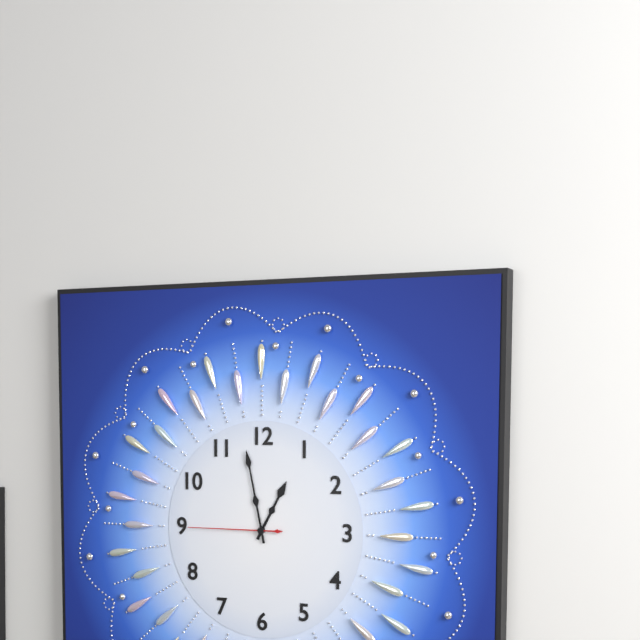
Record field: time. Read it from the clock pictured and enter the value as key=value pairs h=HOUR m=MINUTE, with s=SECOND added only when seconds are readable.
h=12 m=58 s=45
